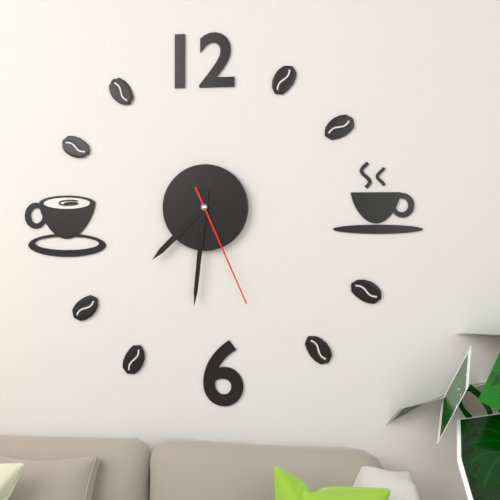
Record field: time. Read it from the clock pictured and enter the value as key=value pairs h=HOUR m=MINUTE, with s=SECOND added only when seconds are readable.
h=7 m=31 s=26
